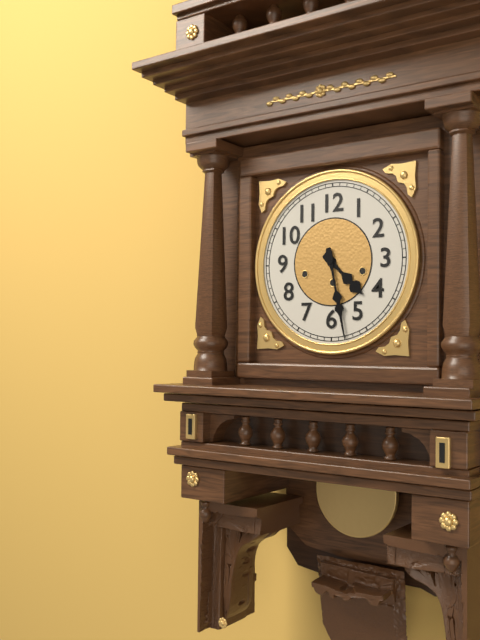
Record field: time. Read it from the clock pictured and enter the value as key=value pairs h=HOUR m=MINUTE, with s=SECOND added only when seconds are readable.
h=4 m=28
